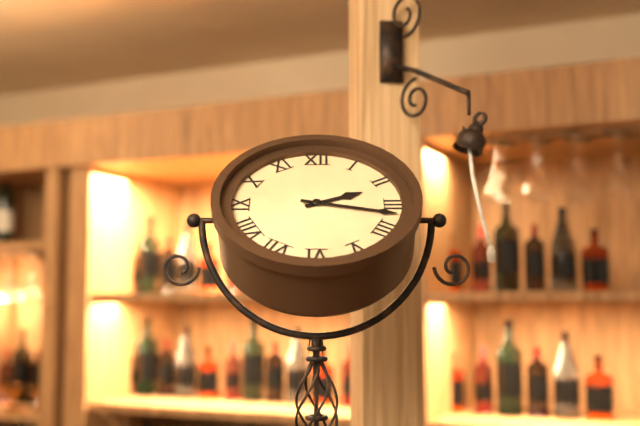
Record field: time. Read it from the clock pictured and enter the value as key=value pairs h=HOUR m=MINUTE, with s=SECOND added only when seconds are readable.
h=2 m=17
